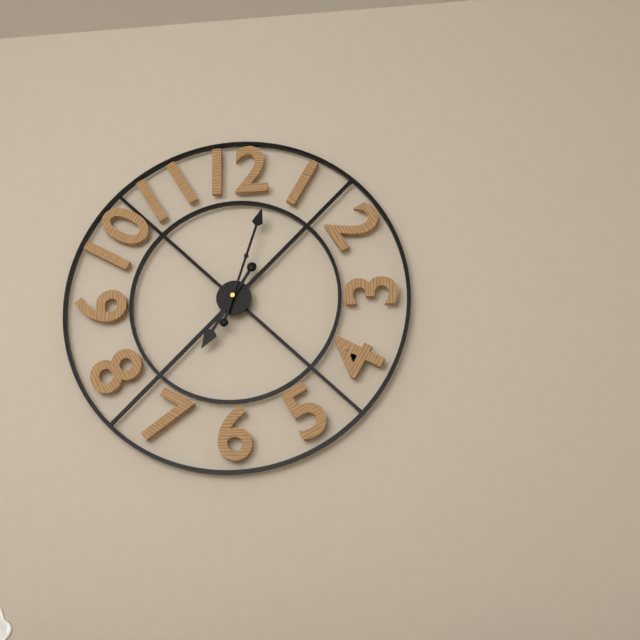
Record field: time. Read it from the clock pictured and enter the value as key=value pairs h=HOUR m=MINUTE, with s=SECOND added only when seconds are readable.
h=7 m=3
